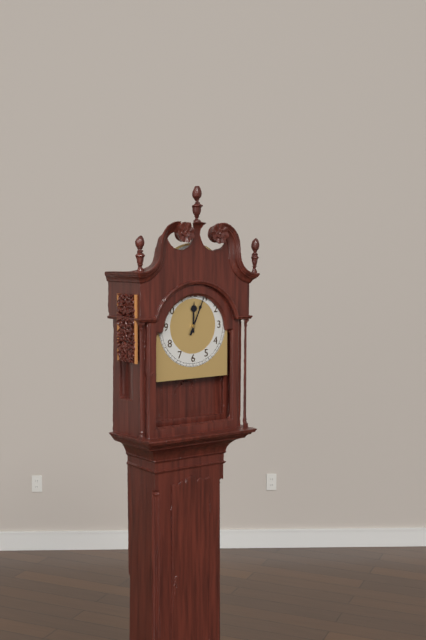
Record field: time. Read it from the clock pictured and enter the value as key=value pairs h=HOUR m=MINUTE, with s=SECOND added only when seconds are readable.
h=12 m=4
